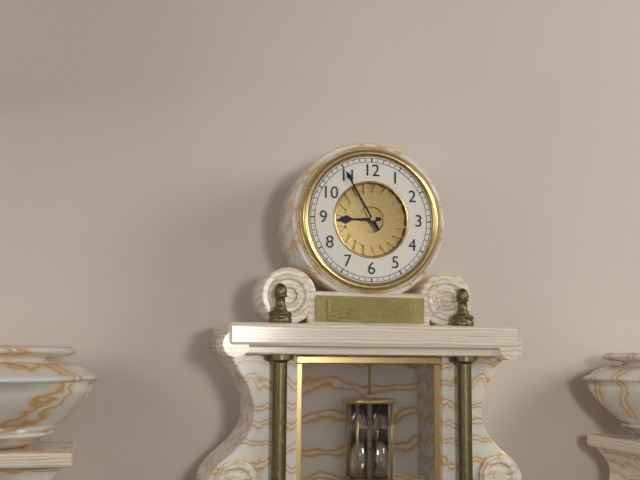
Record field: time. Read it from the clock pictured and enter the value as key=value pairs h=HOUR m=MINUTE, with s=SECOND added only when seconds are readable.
h=8 m=55
